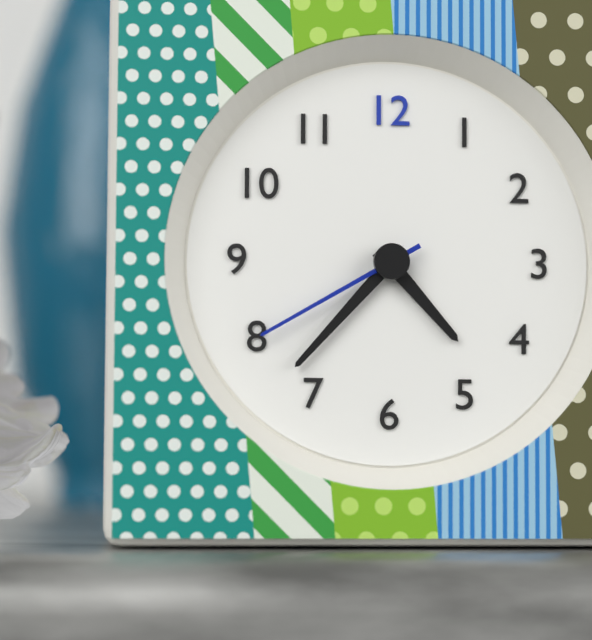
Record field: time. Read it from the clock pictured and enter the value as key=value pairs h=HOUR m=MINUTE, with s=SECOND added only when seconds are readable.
h=4 m=37 s=40
